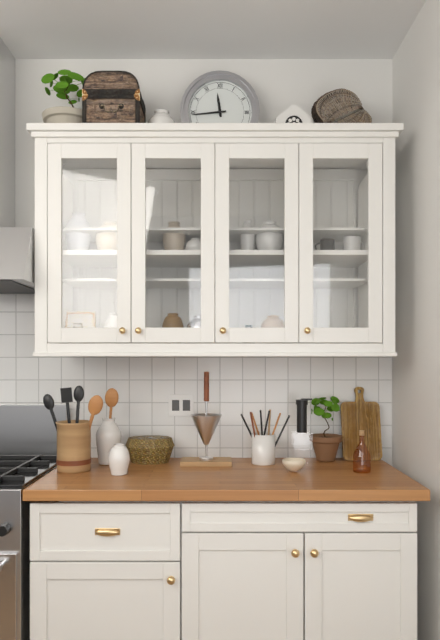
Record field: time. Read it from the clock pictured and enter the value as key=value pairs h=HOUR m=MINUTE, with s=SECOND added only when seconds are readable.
h=11 m=44
